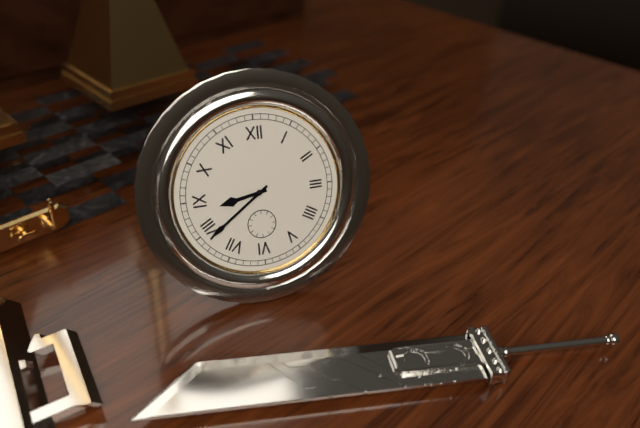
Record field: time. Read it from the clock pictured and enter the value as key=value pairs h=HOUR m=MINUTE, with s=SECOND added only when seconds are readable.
h=8 m=39
